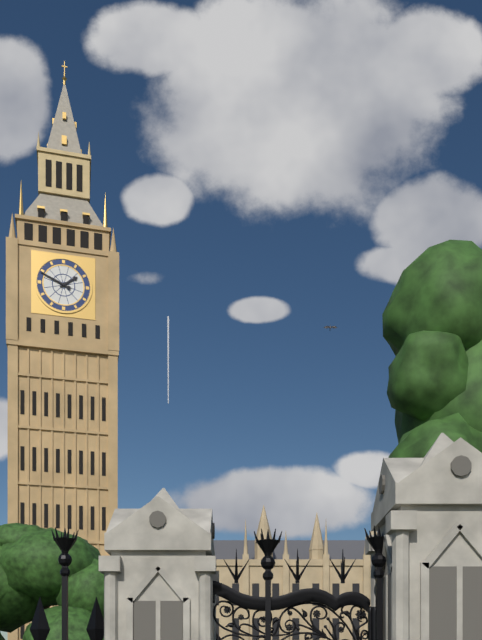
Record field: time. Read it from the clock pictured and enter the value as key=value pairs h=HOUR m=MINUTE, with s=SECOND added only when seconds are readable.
h=1 m=49
